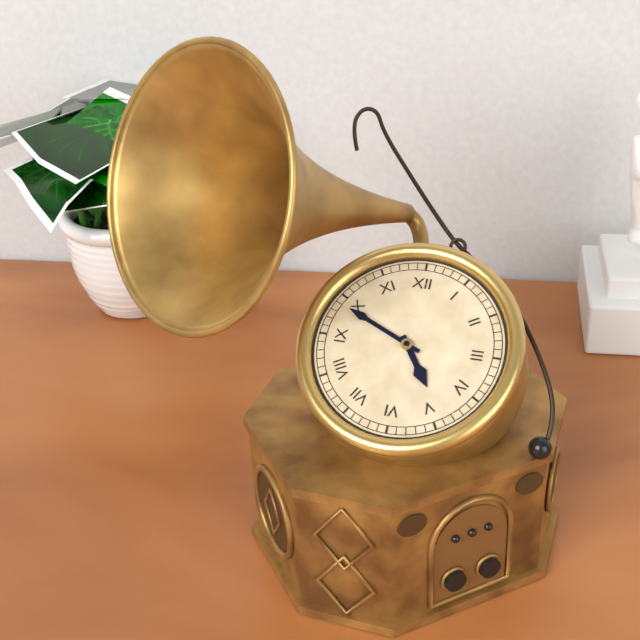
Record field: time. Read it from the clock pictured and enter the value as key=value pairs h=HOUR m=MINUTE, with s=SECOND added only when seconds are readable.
h=4 m=49
